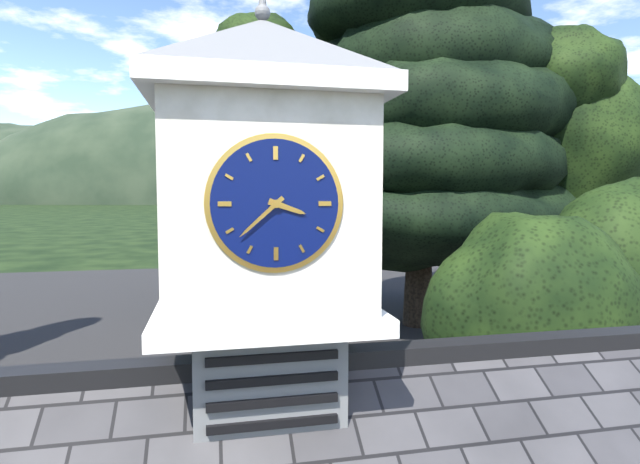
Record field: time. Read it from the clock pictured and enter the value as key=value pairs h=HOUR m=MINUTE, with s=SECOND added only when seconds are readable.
h=3 m=38
